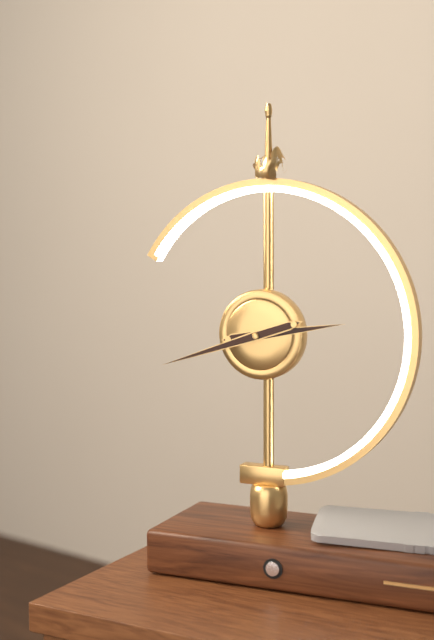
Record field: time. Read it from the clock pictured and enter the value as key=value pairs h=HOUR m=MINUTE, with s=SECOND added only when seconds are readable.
h=2 m=42
